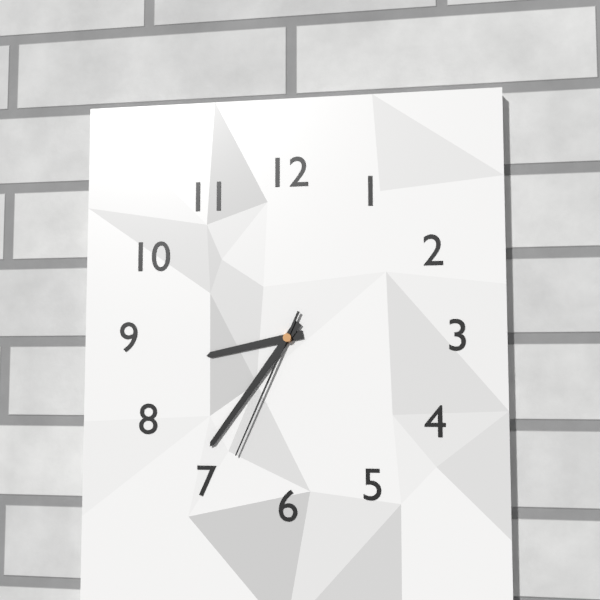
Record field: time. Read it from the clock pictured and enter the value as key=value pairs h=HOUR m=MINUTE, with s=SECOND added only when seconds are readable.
h=8 m=36 s=34
